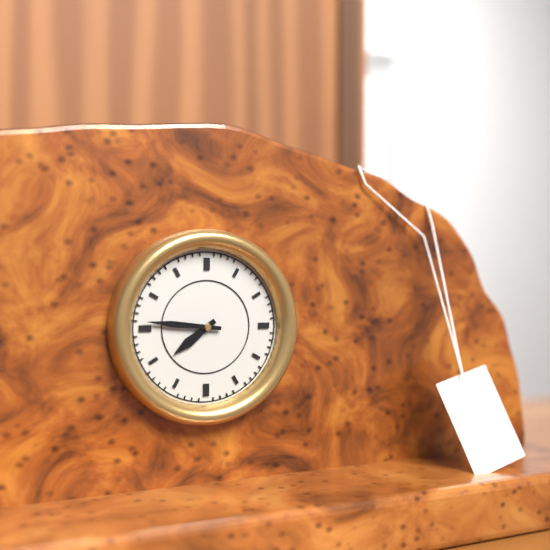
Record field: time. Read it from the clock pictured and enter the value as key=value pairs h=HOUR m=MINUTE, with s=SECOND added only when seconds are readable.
h=7 m=46
